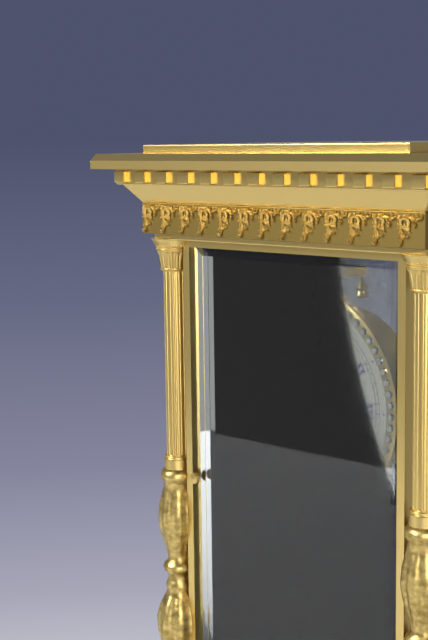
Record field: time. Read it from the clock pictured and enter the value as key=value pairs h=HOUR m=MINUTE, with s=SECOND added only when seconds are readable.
h=5 m=48
